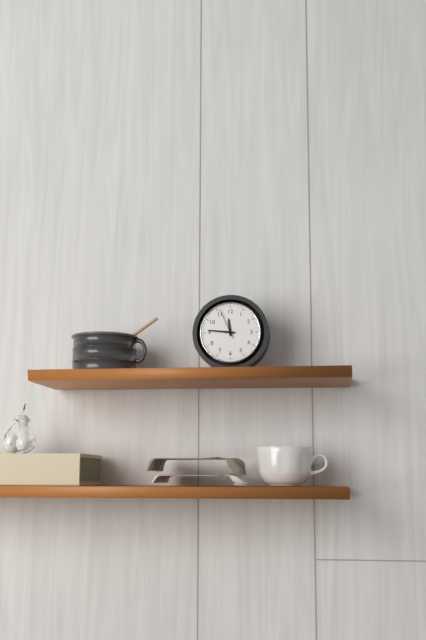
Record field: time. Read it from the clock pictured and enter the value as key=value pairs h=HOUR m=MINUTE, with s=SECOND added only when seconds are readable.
h=11 m=46
